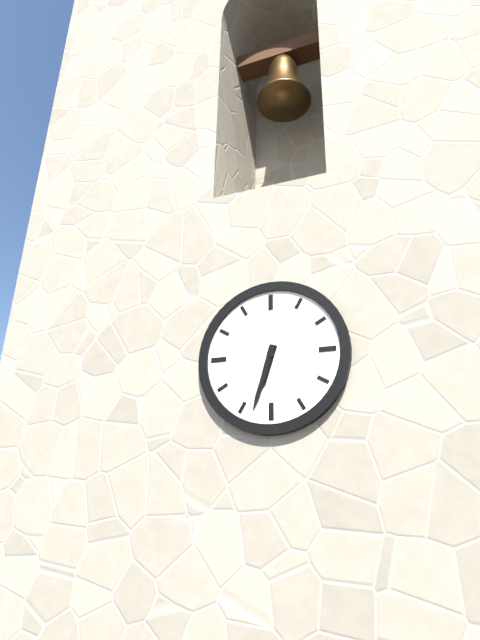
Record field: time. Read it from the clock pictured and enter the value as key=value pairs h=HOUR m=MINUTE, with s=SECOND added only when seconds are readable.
h=6 m=33
